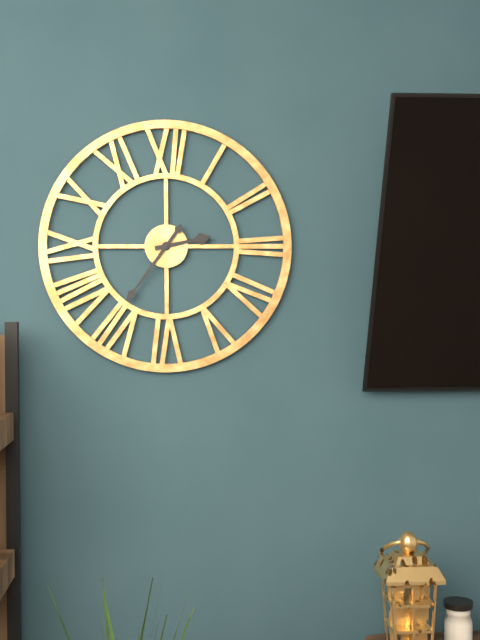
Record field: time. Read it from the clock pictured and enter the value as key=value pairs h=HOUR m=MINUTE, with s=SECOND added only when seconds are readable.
h=2 m=36
